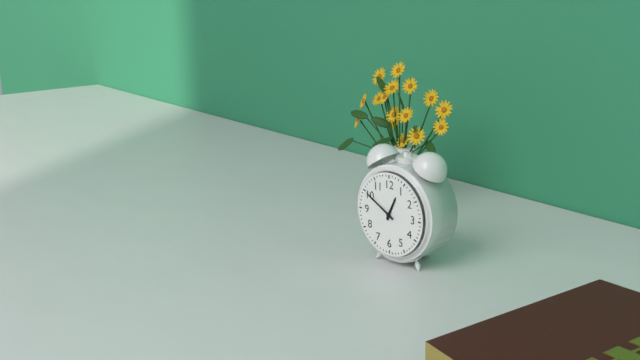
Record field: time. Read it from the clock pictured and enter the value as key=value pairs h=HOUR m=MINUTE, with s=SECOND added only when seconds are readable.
h=12 m=50
